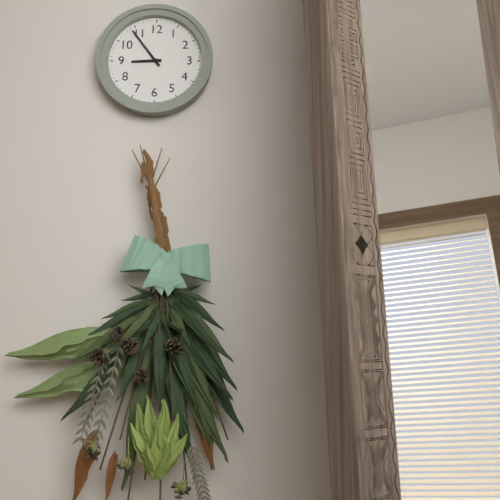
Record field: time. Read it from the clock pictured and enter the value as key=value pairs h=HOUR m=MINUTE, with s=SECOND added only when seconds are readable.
h=8 m=54
